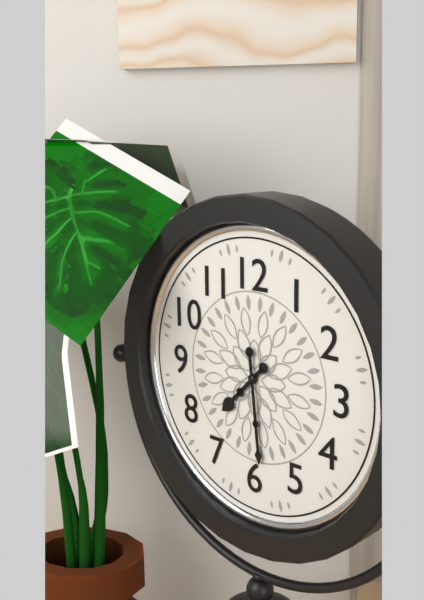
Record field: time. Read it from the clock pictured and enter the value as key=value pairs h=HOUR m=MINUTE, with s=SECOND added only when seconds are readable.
h=7 m=29
